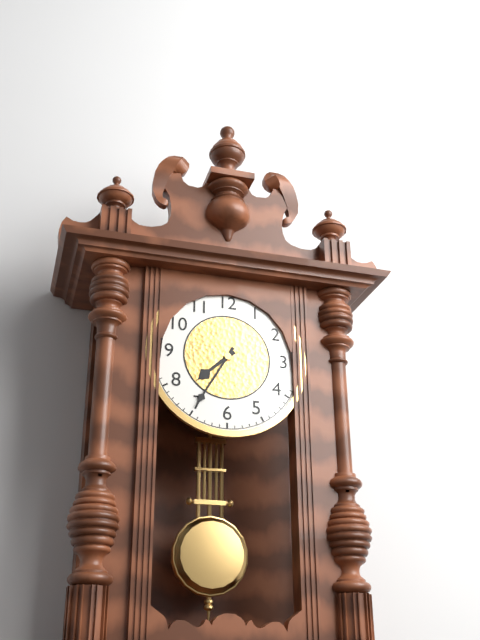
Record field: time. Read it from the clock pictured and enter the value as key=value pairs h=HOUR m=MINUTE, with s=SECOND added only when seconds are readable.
h=7 m=35
